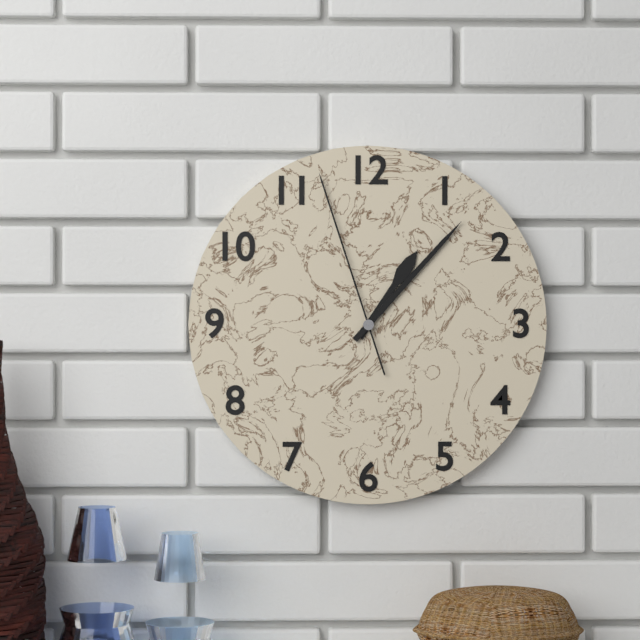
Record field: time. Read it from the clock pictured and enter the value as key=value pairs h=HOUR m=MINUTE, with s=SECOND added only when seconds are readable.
h=1 m=7 s=57
